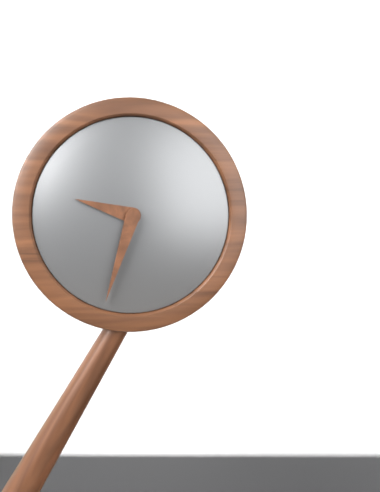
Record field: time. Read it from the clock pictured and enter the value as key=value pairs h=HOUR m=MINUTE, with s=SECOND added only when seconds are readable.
h=9 m=33
